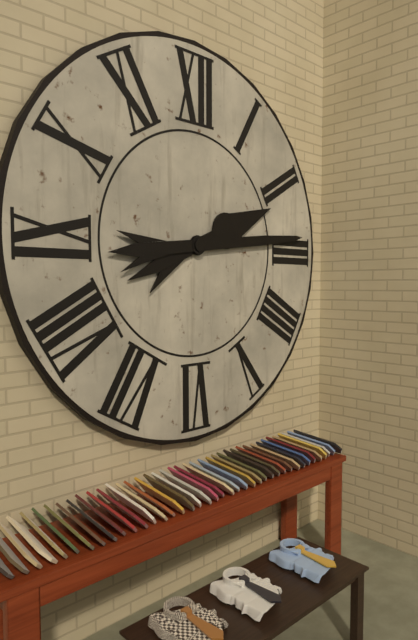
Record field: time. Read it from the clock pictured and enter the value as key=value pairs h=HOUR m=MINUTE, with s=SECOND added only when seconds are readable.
h=2 m=14
